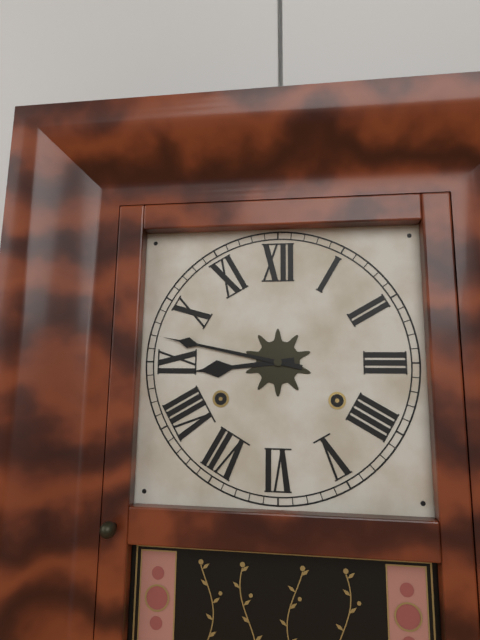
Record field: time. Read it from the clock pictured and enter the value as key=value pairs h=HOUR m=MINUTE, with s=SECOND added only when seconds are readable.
h=8 m=47
